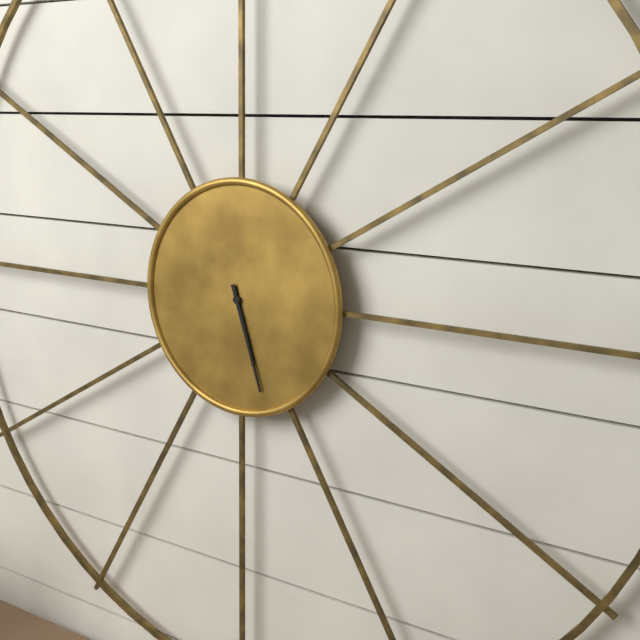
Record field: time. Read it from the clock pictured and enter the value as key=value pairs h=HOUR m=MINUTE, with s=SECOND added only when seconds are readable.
h=5 m=27
